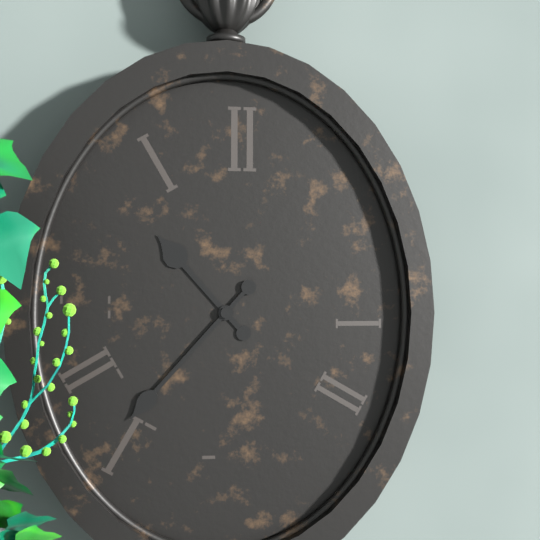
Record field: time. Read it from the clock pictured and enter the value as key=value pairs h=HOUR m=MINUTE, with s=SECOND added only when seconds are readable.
h=10 m=37
